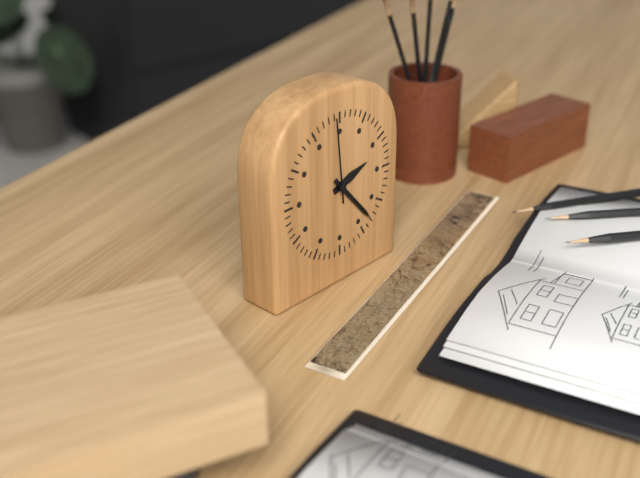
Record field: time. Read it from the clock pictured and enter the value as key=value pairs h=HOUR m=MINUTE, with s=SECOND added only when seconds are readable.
h=2 m=23 s=59
